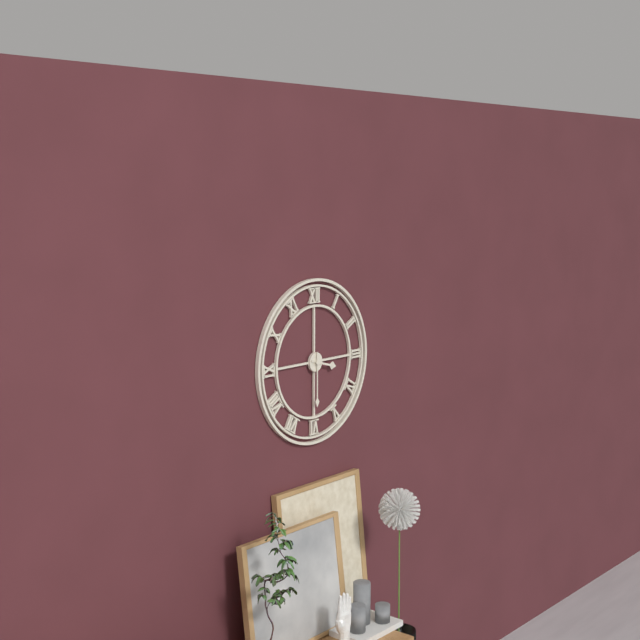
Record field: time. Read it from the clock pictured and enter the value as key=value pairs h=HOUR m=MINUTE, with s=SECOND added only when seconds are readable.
h=3 m=30
